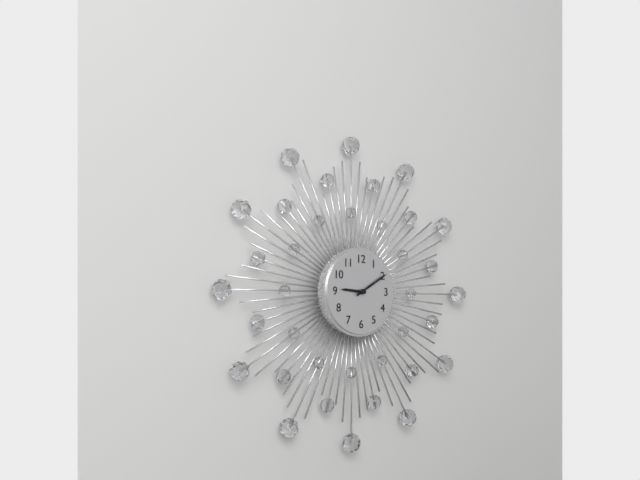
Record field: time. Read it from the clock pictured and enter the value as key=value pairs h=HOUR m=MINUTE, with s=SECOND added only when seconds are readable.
h=9 m=10
